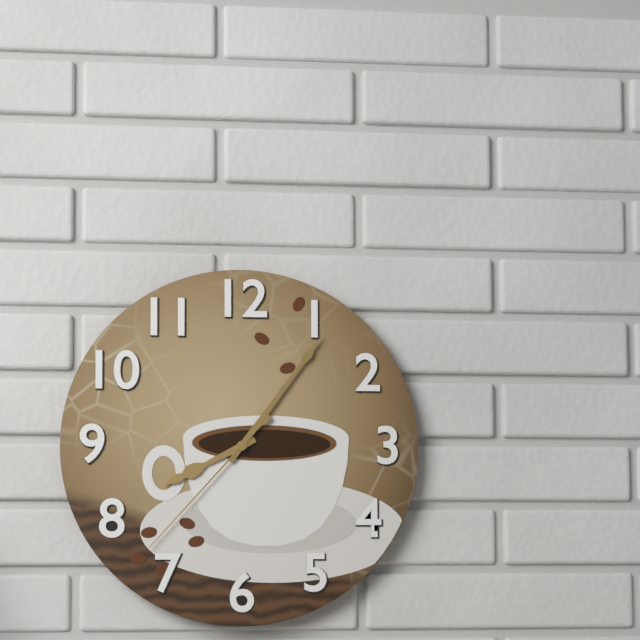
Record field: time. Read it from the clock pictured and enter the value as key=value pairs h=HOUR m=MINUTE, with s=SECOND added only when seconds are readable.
h=8 m=6 s=37
